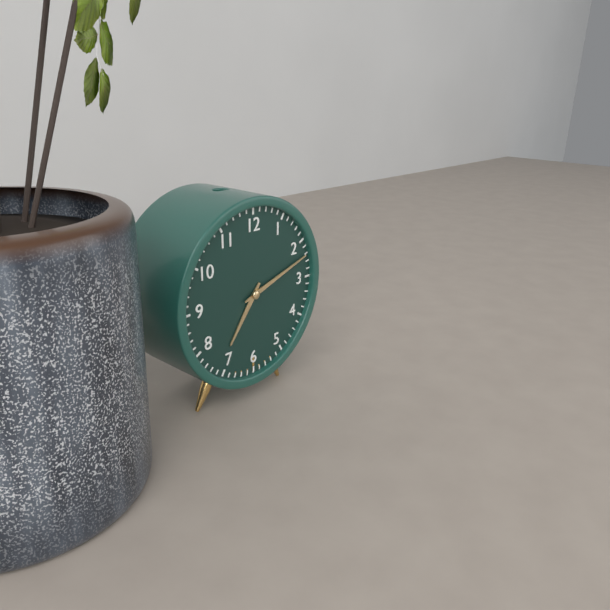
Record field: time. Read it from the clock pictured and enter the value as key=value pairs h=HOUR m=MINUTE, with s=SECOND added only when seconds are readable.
h=7 m=12
